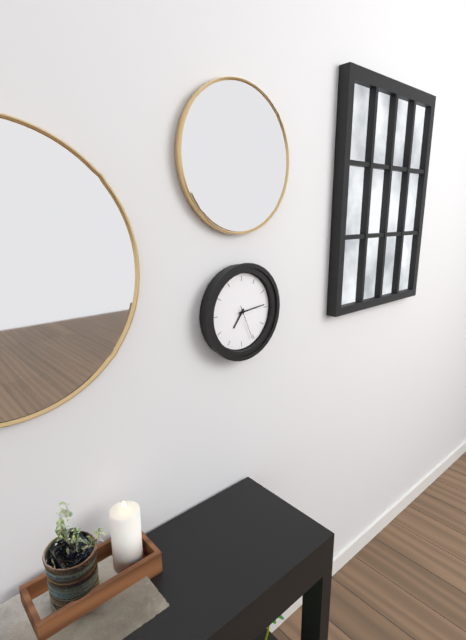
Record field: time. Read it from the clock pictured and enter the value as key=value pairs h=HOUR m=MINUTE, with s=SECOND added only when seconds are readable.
h=7 m=14
